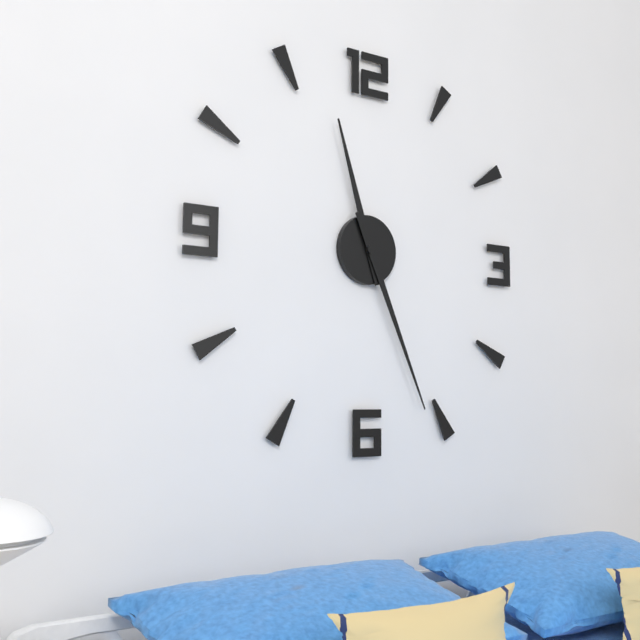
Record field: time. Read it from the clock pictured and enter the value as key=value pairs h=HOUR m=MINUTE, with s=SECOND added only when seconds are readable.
h=11 m=26
